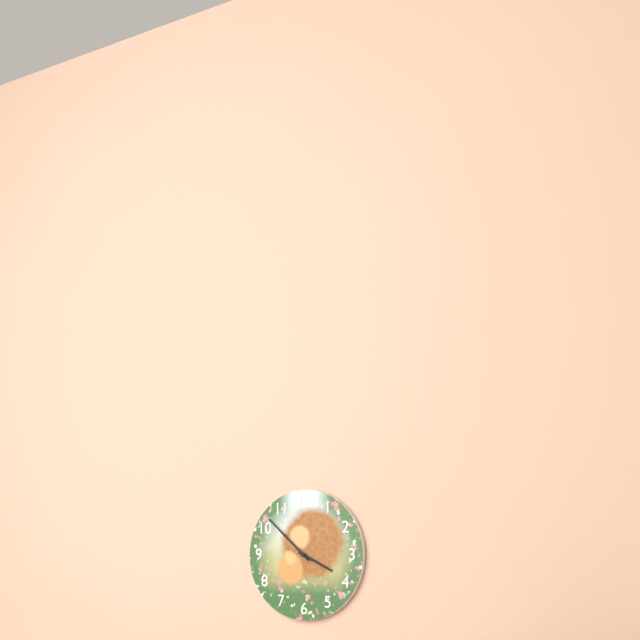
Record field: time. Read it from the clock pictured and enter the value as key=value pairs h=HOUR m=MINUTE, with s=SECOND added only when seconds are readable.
h=3 m=52
